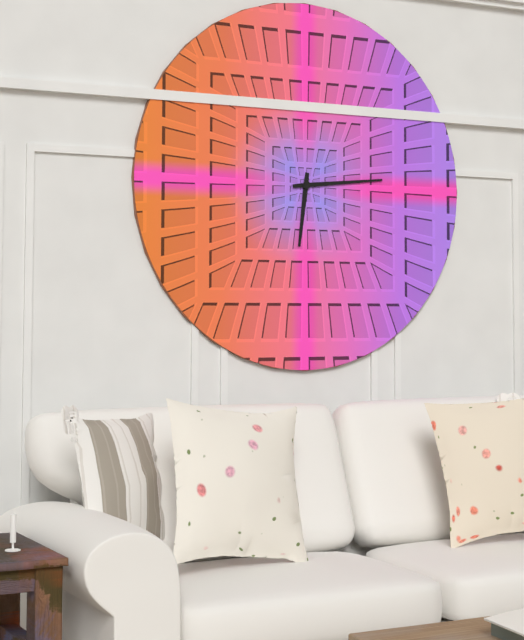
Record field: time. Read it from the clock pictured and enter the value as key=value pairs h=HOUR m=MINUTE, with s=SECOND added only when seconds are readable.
h=6 m=14
